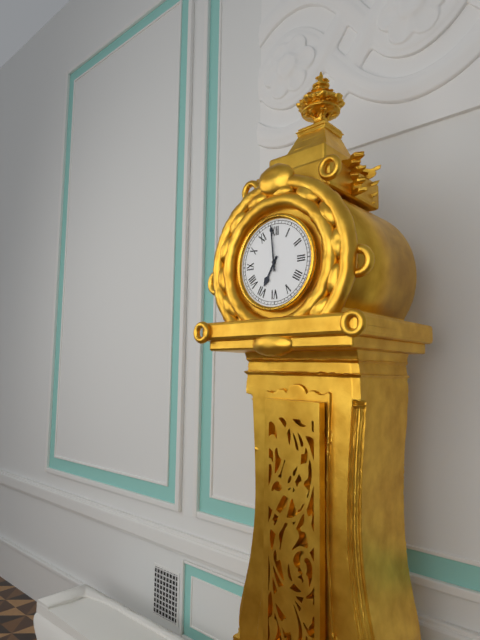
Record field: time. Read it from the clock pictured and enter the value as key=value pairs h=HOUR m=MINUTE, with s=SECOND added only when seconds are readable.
h=6 m=59
